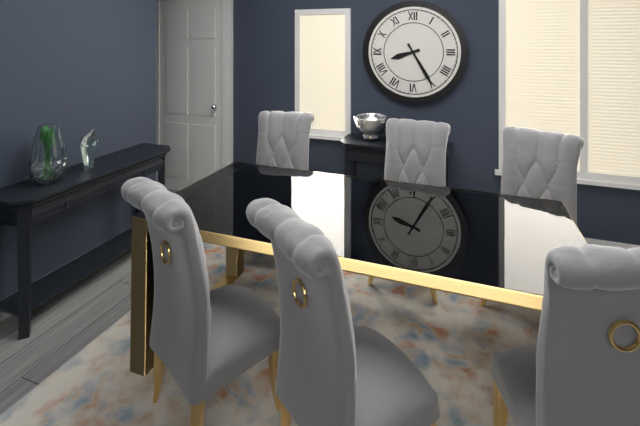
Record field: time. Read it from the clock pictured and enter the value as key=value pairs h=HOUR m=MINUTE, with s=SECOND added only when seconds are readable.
h=8 m=25
